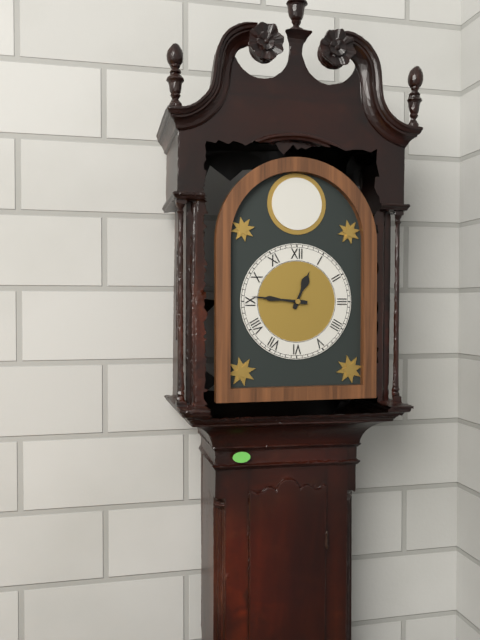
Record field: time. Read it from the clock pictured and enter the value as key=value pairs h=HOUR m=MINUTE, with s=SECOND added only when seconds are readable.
h=12 m=46
